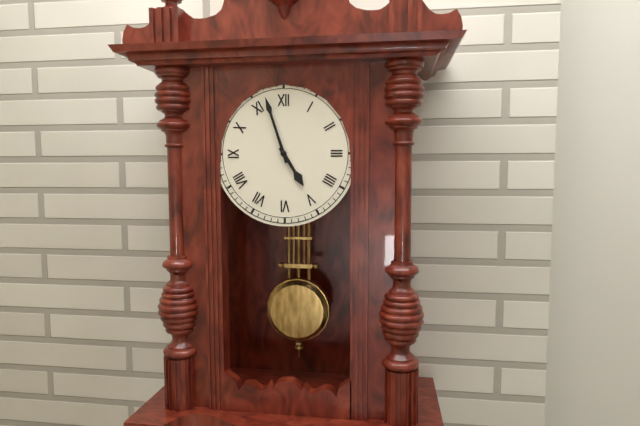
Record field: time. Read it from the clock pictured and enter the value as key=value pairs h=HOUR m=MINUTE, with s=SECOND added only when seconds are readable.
h=4 m=57
